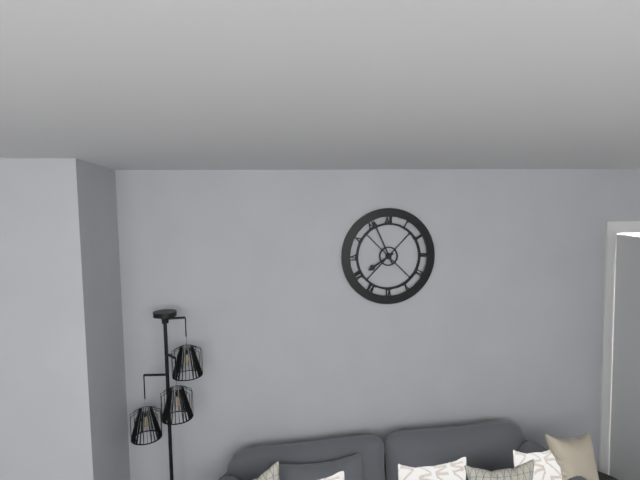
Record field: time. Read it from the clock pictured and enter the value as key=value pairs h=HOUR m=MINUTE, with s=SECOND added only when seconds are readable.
h=7 m=56
